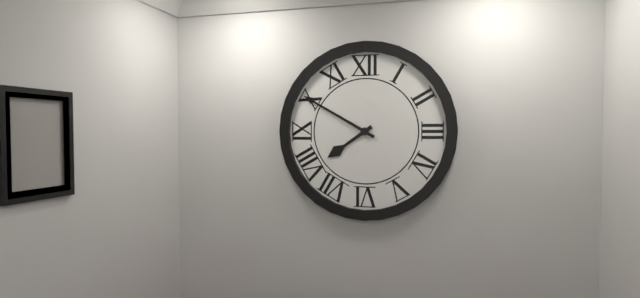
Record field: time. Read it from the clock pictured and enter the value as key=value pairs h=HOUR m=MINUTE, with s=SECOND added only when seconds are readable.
h=7 m=50
